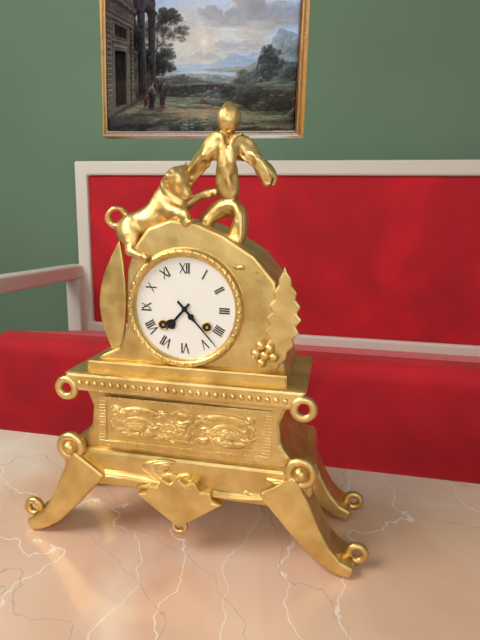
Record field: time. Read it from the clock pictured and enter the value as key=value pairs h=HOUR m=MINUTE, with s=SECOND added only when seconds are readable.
h=7 m=23
